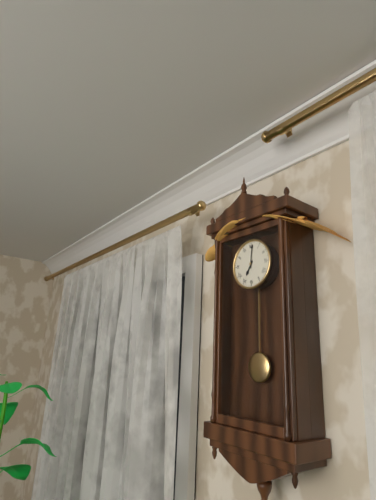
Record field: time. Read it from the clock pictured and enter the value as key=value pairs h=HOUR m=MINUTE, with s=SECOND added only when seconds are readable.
h=7 m=1
